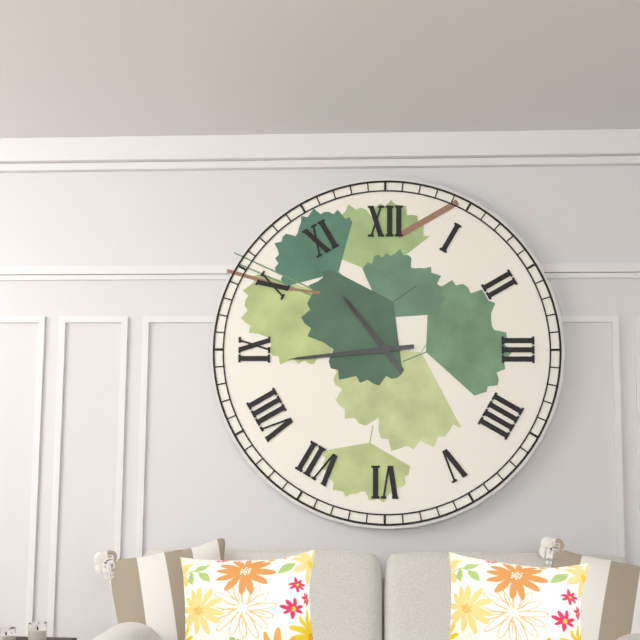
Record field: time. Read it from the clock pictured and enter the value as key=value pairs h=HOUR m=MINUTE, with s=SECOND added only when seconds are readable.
h=10 m=44
